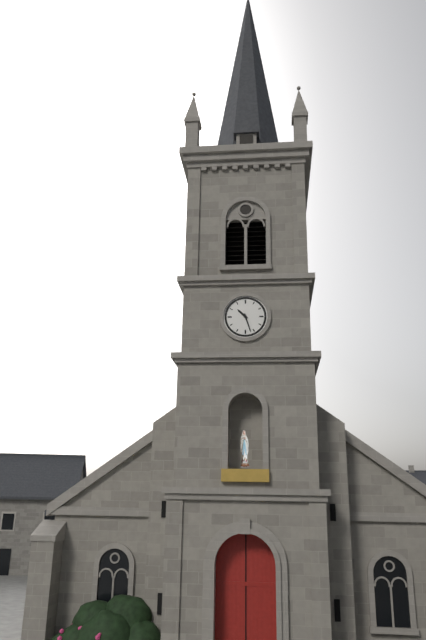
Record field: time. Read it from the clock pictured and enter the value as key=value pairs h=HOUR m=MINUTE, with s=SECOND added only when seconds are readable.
h=10 m=27
